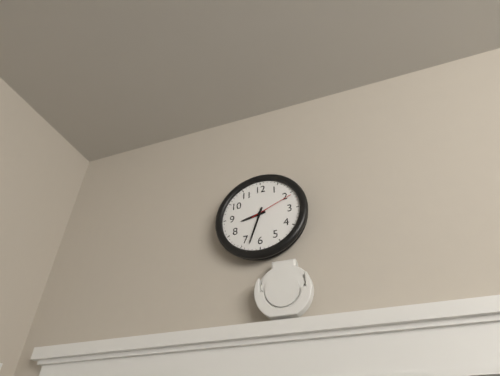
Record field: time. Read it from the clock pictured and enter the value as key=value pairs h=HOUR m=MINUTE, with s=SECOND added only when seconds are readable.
h=8 m=33
